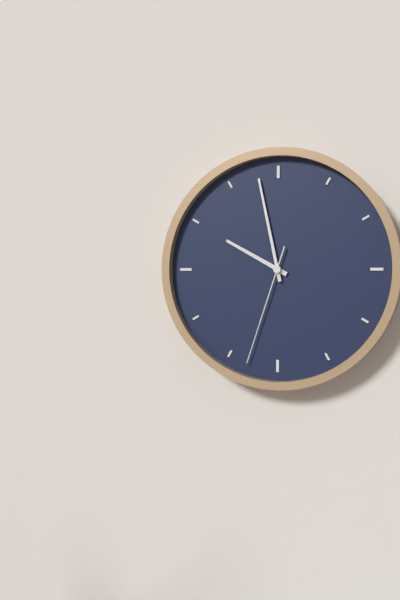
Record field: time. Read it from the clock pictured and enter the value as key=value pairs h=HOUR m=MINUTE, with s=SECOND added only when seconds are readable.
h=9 m=58 s=33
